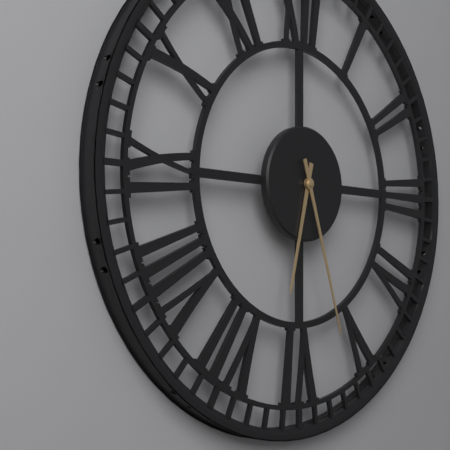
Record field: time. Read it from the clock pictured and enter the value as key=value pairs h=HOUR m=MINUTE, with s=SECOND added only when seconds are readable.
h=6 m=27
